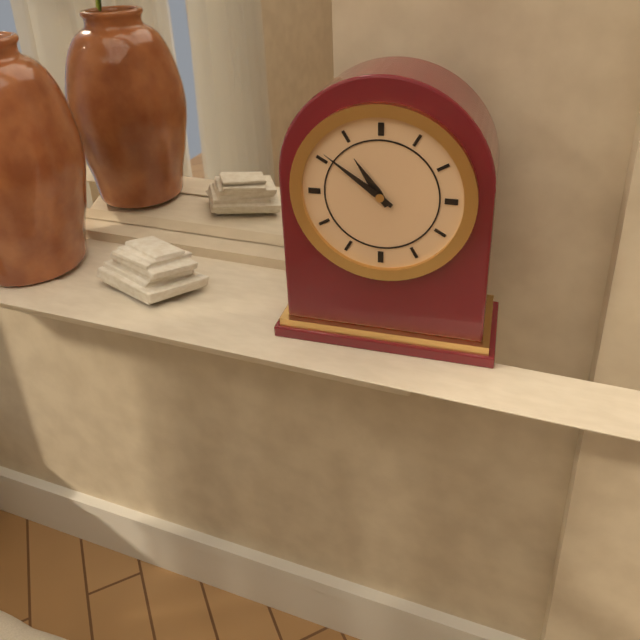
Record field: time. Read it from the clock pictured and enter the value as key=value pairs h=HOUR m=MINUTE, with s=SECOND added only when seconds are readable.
h=10 m=51
